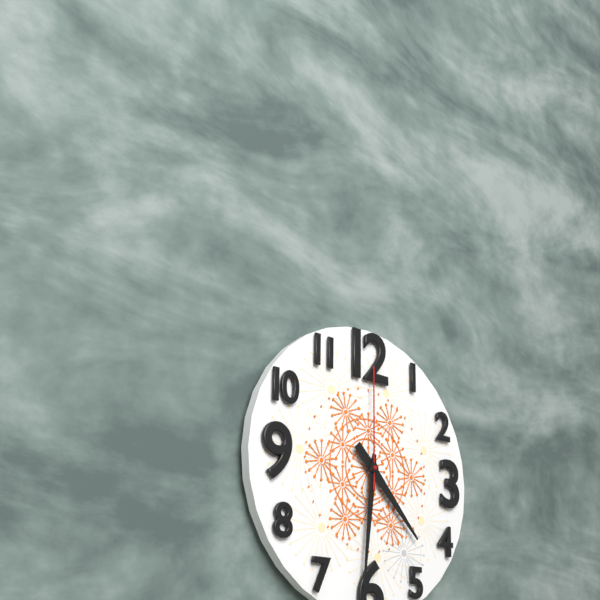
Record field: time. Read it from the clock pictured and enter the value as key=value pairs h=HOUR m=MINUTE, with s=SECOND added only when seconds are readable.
h=4 m=31 s=0
